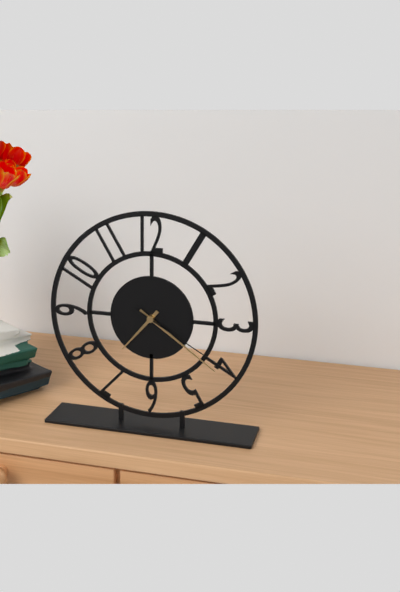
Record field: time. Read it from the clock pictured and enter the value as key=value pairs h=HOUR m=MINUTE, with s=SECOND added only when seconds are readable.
h=7 m=21 s=20
